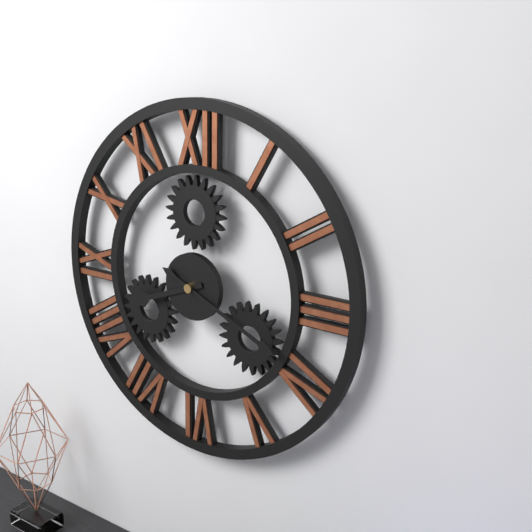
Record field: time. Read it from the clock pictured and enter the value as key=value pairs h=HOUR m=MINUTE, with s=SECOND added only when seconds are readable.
h=8 m=19
